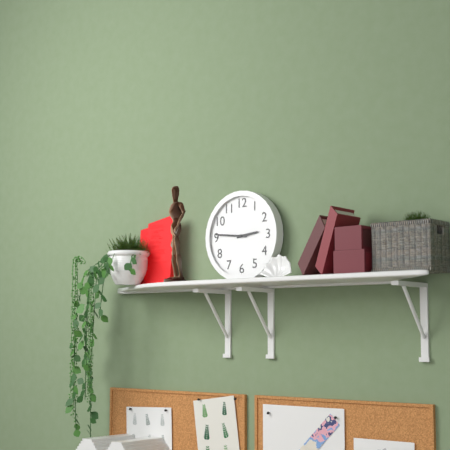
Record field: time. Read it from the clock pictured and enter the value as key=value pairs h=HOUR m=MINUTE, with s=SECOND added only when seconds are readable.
h=2 m=46
